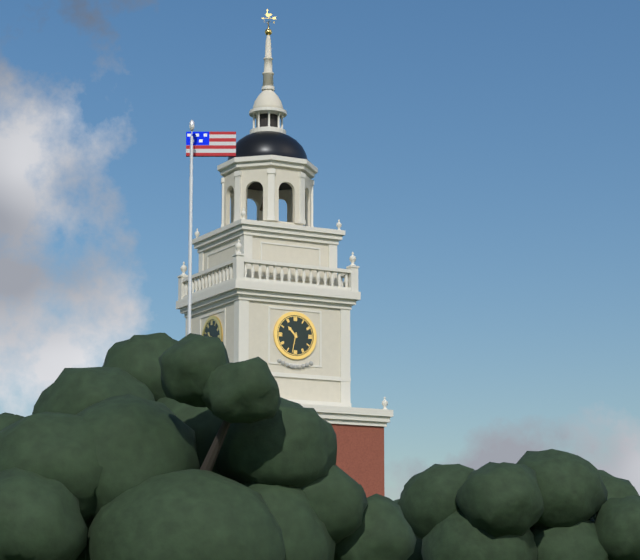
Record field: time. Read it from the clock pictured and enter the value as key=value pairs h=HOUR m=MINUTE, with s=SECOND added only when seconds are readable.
h=10 m=32
